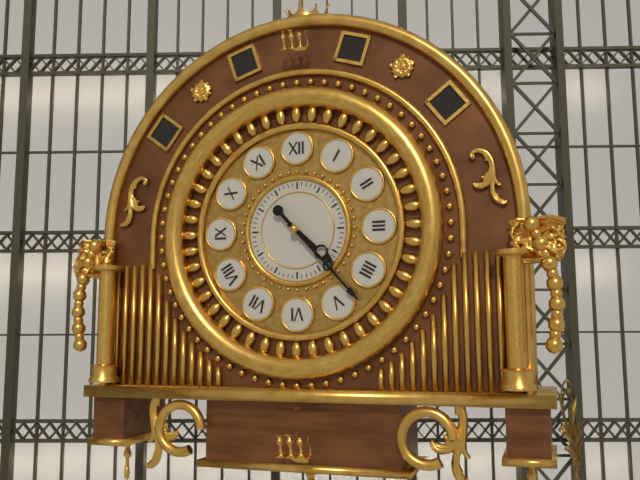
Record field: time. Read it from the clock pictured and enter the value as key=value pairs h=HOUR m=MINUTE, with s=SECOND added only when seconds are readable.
h=4 m=23
